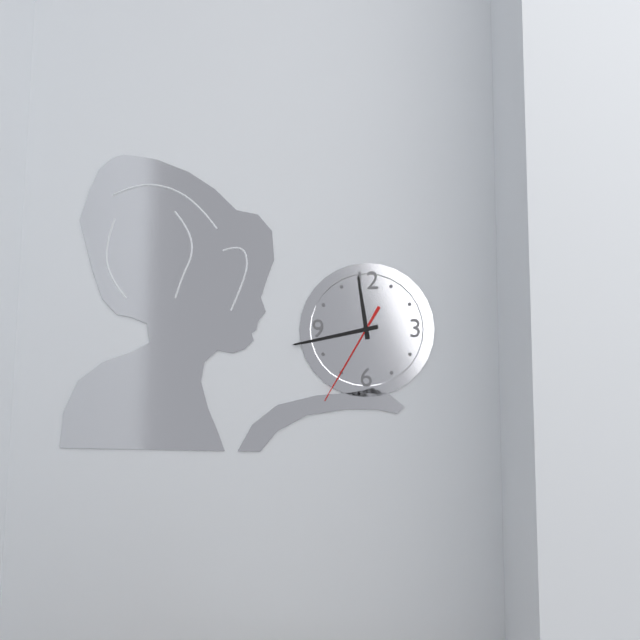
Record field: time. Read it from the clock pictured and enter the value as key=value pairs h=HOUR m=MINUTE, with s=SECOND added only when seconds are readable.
h=11 m=43 s=35
